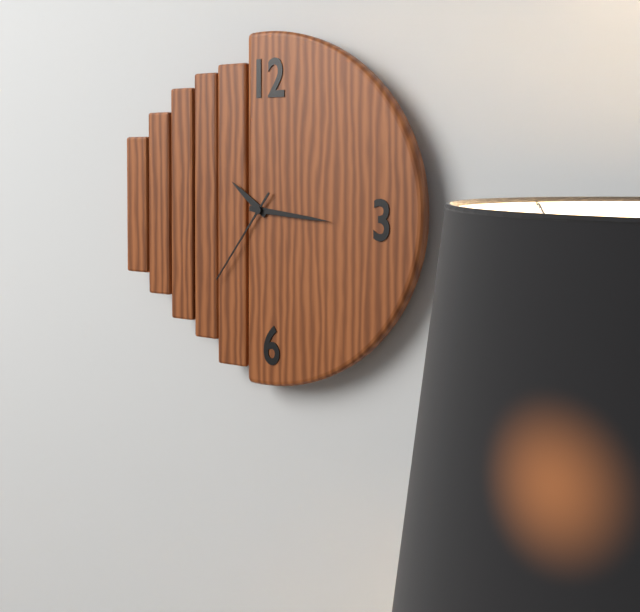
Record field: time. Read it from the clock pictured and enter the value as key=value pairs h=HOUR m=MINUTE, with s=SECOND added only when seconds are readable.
h=10 m=16 s=36
